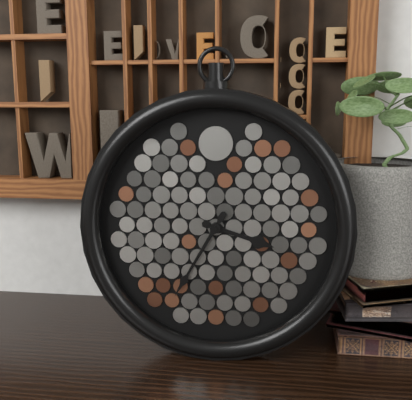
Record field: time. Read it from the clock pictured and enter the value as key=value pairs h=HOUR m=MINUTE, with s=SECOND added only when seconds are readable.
h=3 m=35
